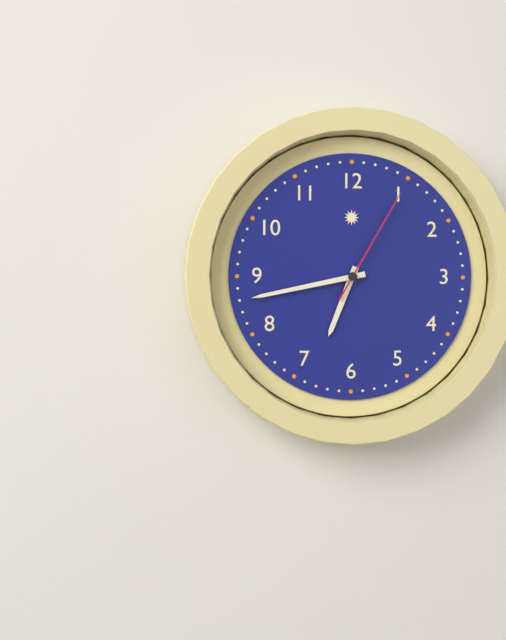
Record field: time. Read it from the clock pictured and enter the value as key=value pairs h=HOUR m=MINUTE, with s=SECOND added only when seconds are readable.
h=6 m=43 s=5
